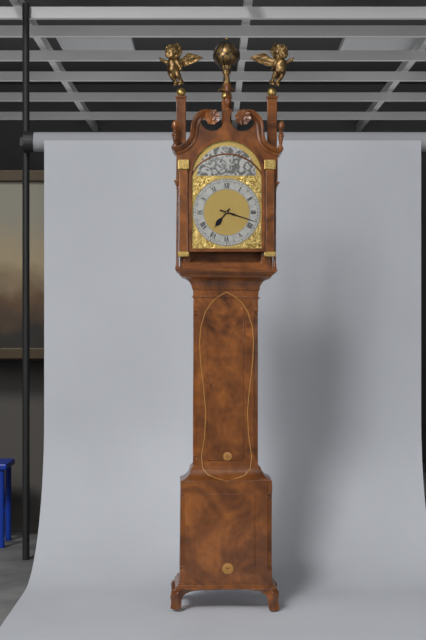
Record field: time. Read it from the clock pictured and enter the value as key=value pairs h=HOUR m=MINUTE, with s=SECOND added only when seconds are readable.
h=7 m=18
